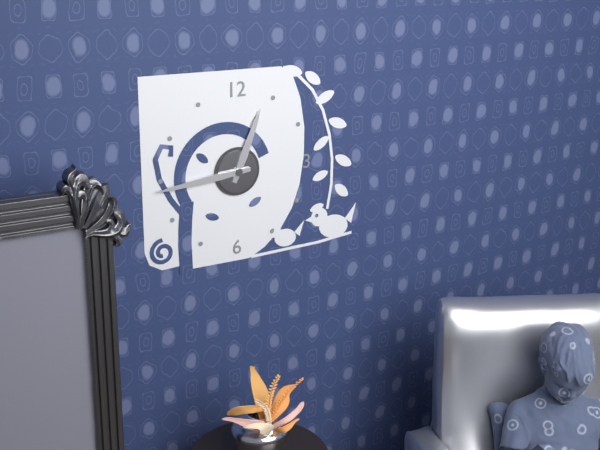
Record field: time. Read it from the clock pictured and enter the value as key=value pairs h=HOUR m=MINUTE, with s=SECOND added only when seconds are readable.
h=12 m=44
